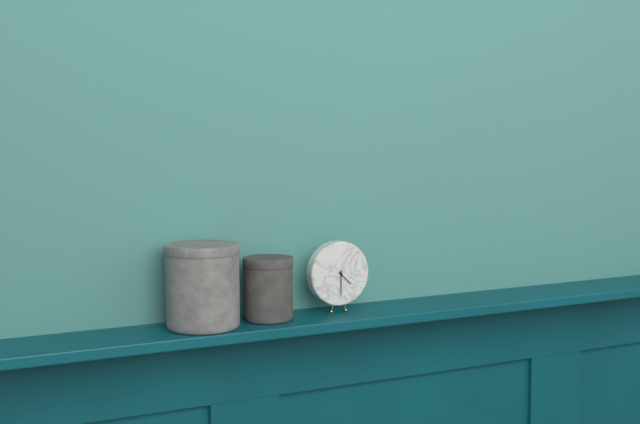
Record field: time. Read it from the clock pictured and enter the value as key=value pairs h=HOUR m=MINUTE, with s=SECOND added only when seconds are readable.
h=4 m=30
